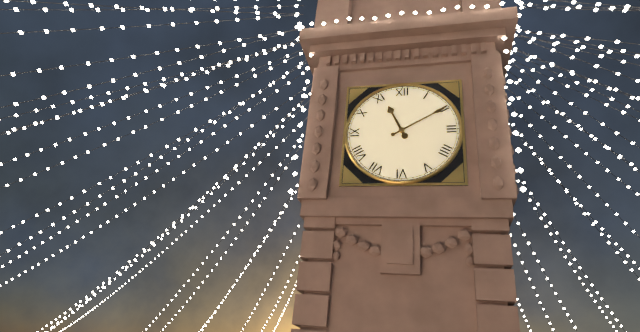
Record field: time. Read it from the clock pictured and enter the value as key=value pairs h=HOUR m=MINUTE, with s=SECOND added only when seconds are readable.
h=11 m=10
